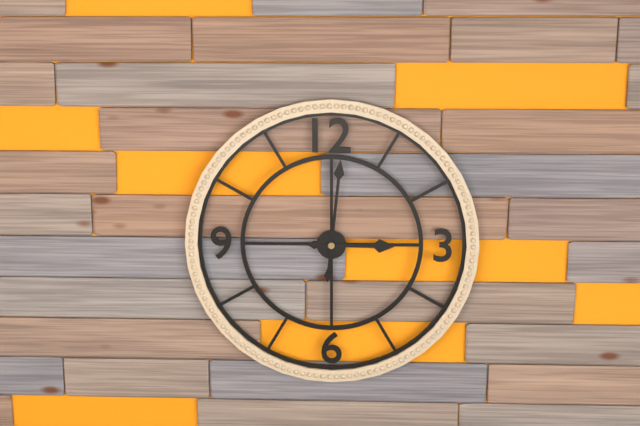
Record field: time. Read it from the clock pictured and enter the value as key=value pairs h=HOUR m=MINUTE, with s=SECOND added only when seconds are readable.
h=3 m=1
